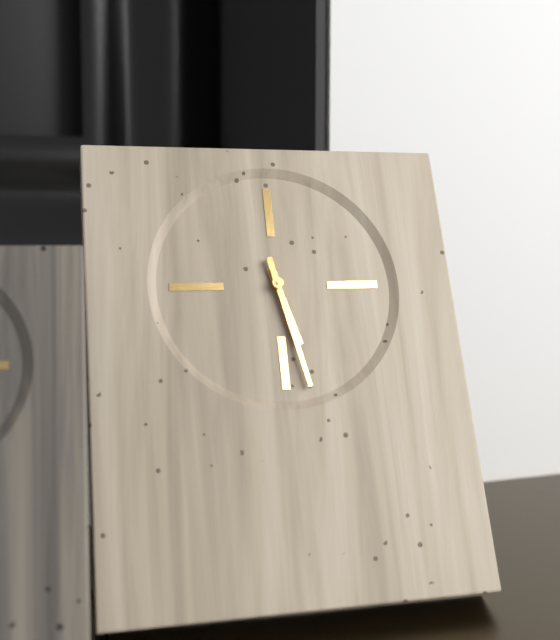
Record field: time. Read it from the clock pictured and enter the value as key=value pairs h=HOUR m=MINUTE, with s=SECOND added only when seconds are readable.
h=5 m=28
